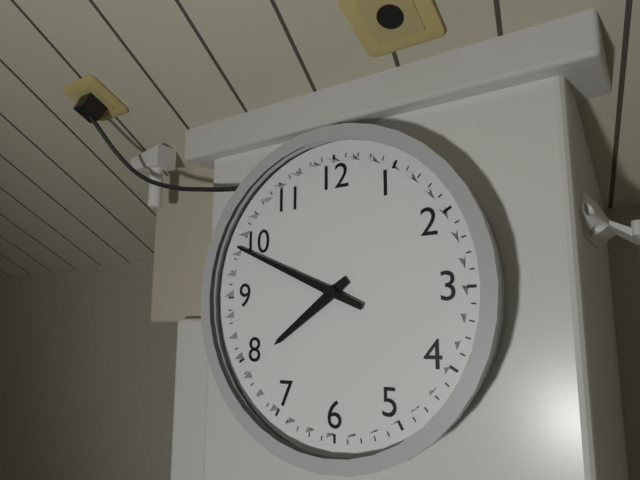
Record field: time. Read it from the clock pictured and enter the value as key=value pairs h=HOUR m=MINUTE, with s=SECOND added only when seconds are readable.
h=7 m=49
